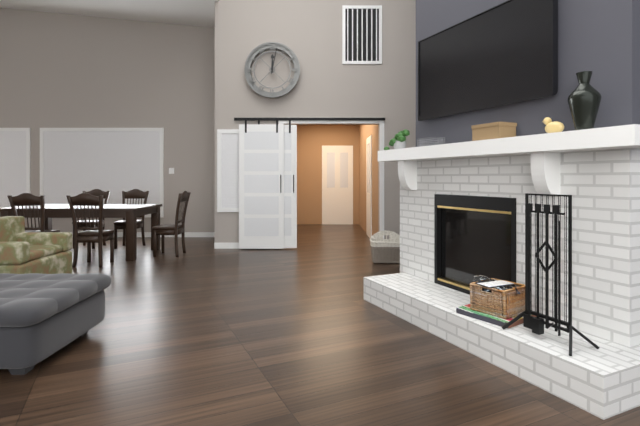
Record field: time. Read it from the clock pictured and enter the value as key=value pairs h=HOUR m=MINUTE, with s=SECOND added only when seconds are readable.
h=12 m=2
